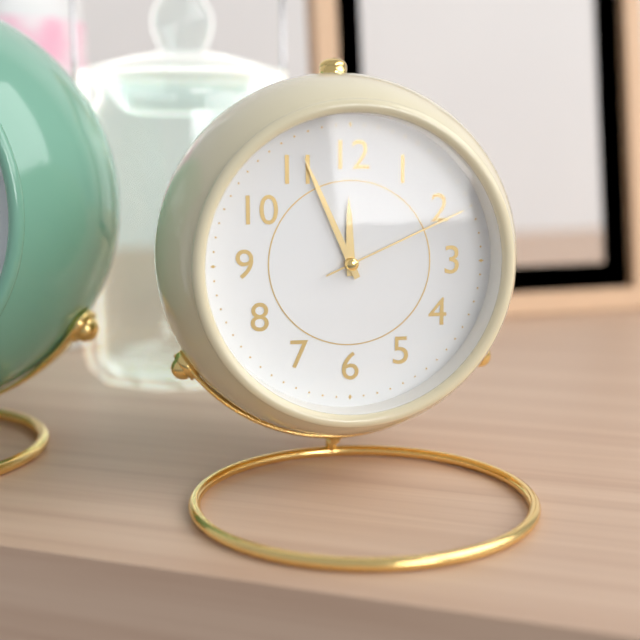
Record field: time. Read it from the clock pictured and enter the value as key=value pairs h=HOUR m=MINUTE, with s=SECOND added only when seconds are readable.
h=11 m=56 s=11
